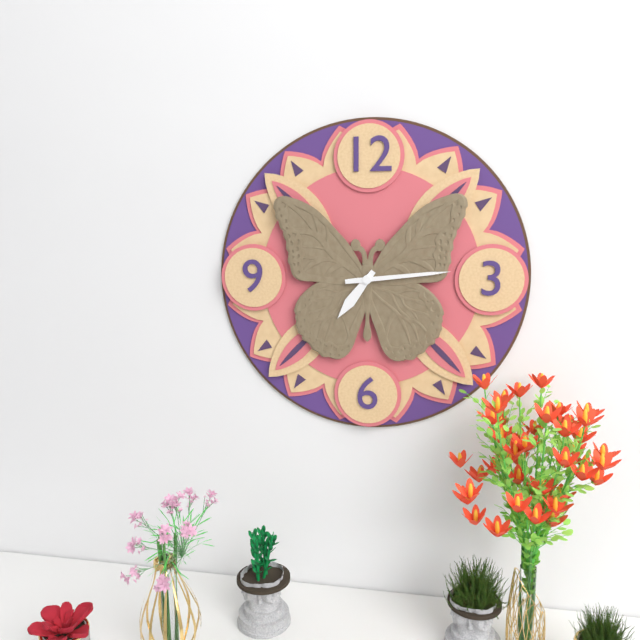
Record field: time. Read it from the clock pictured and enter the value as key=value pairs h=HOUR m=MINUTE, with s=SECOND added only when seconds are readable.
h=7 m=14
